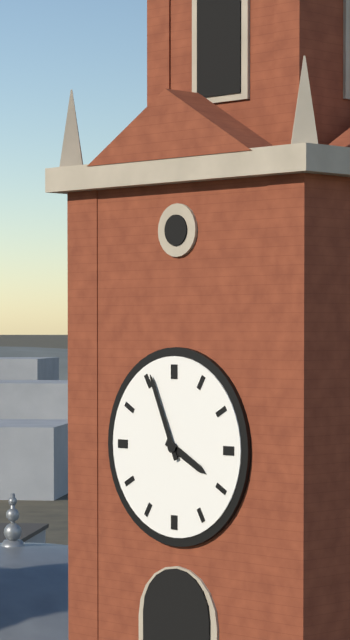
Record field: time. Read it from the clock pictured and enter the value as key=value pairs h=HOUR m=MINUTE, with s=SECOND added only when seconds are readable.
h=3 m=56
